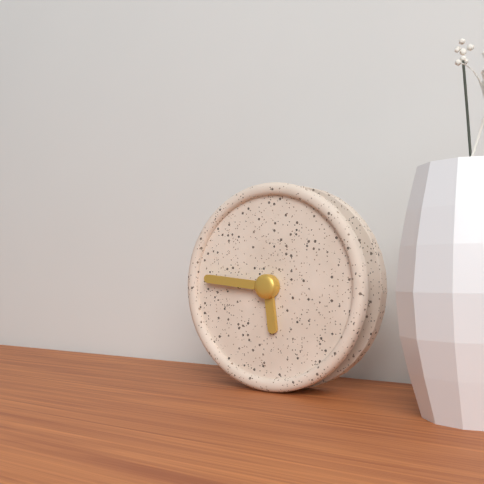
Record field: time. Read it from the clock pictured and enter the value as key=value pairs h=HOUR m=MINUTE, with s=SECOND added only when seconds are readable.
h=5 m=46
